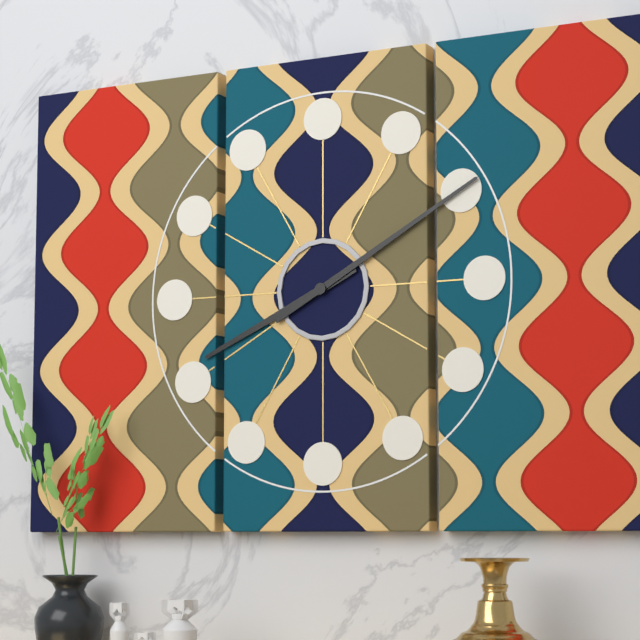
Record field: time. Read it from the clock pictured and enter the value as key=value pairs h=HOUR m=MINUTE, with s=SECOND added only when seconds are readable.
h=8 m=10
